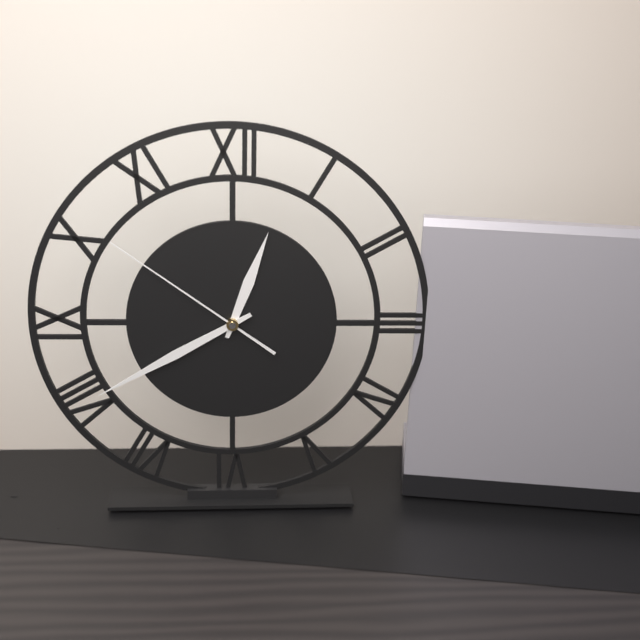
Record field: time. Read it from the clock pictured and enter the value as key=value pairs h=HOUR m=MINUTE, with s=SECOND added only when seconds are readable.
h=12 m=40 s=51
